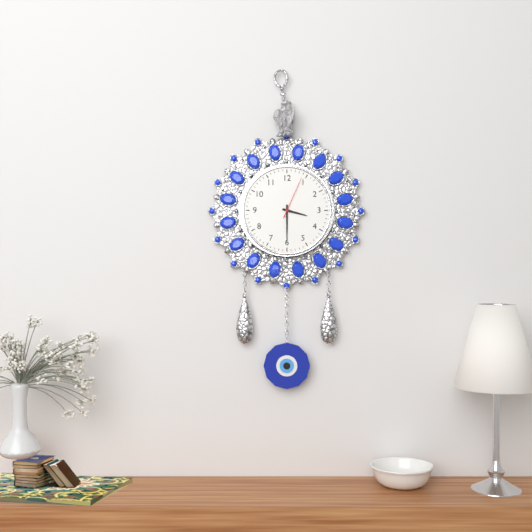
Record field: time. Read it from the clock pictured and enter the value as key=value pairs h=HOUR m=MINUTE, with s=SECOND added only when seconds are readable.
h=3 m=30
